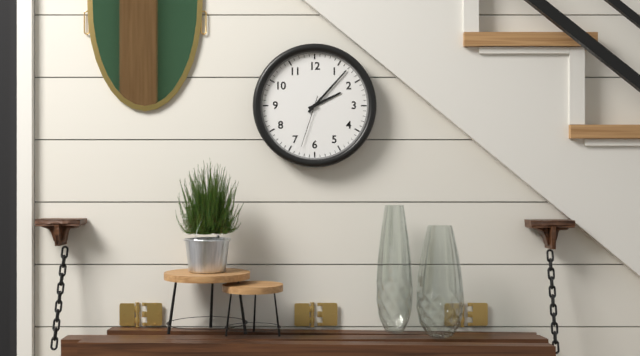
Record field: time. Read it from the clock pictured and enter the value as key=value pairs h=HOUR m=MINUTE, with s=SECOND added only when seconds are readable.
h=2 m=7 s=33
